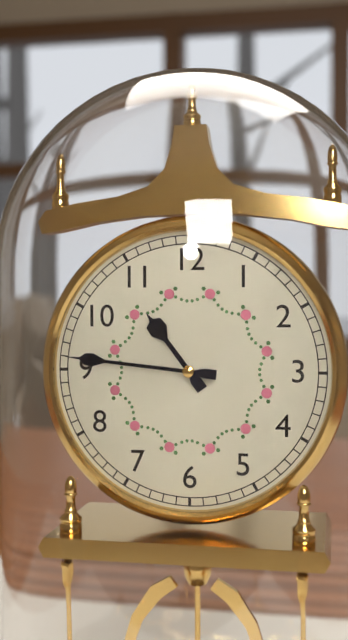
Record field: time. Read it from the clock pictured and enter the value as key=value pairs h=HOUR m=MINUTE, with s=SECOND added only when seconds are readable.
h=10 m=46
